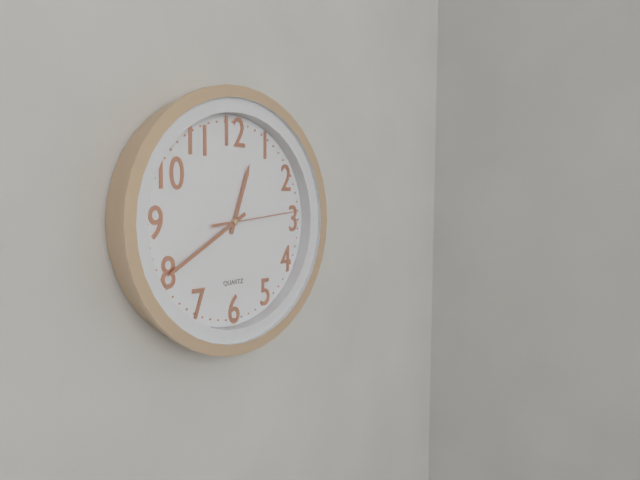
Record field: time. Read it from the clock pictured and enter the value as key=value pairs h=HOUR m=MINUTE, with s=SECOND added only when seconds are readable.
h=12 m=40 s=14
